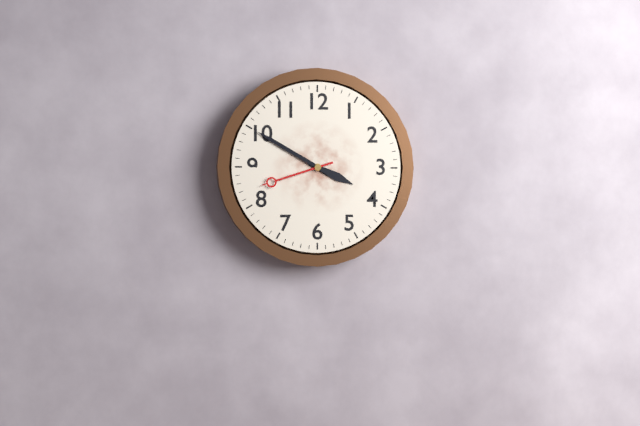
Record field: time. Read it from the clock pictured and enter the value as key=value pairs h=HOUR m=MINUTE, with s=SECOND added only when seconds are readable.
h=3 m=50 s=42
